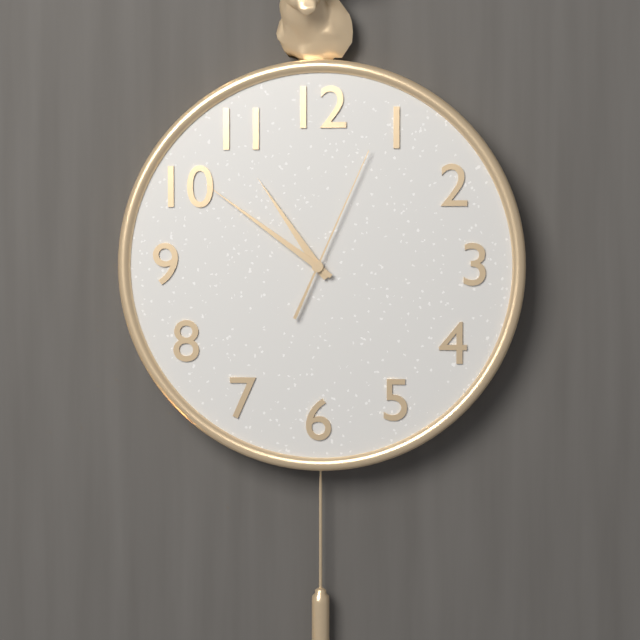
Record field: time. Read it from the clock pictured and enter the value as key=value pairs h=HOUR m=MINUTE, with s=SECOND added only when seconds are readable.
h=10 m=51 s=4
